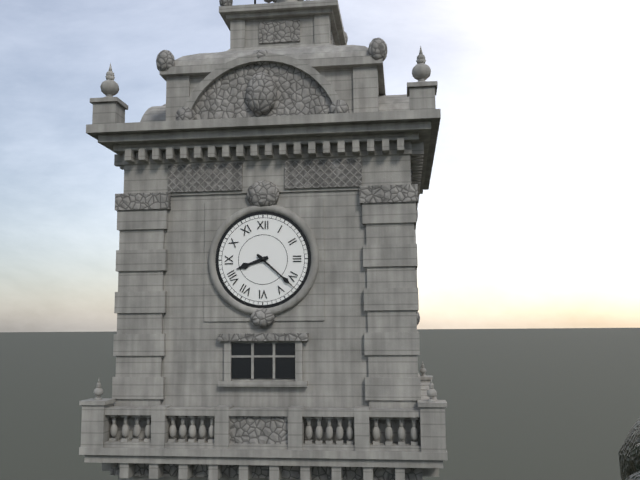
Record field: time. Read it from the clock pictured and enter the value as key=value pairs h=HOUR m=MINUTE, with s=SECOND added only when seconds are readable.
h=8 m=22
